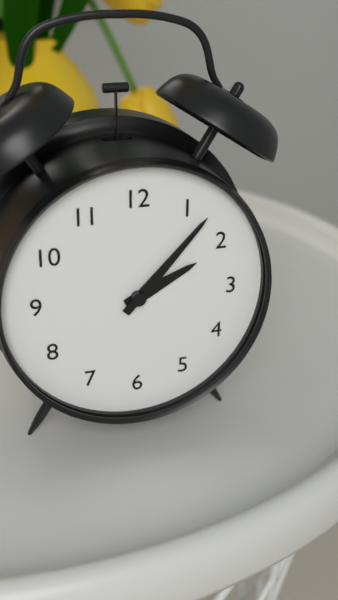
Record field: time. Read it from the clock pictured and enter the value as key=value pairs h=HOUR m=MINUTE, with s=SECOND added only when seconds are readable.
h=2 m=7
